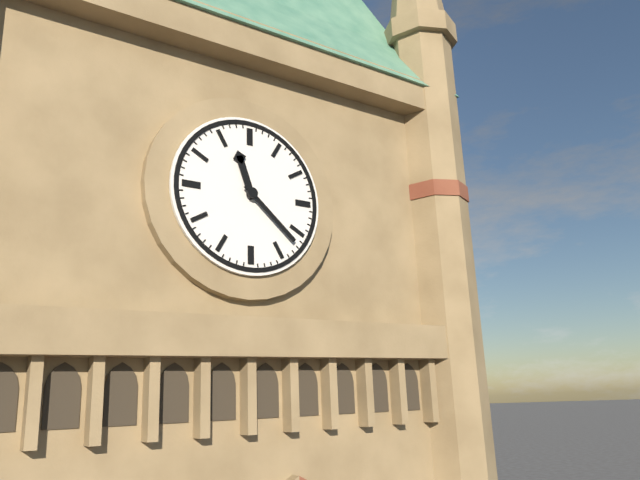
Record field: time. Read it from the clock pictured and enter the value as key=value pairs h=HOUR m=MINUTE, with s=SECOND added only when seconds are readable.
h=11 m=22
